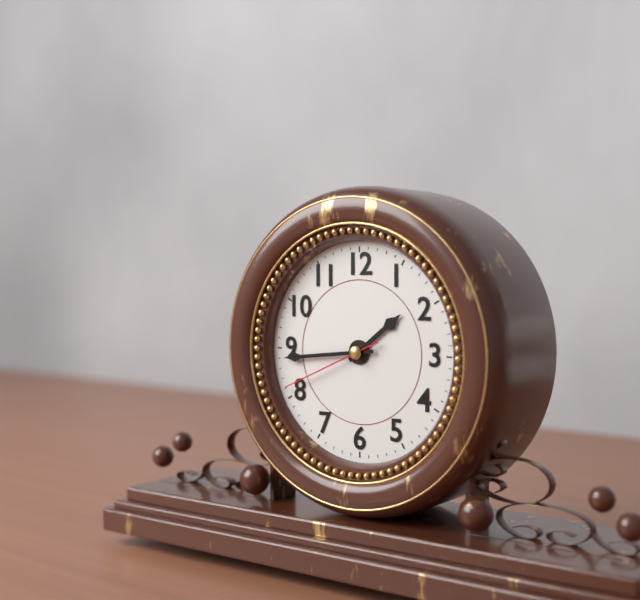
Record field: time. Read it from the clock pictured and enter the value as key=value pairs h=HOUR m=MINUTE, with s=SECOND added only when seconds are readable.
h=1 m=44 s=41
